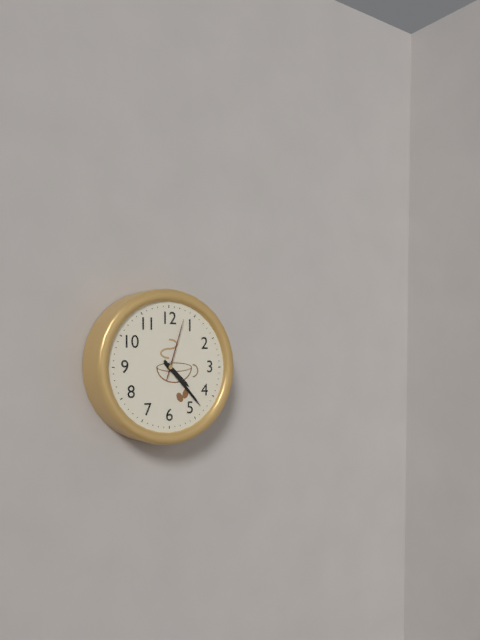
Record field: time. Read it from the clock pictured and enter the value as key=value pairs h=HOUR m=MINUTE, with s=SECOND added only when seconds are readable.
h=4 m=23 s=3
